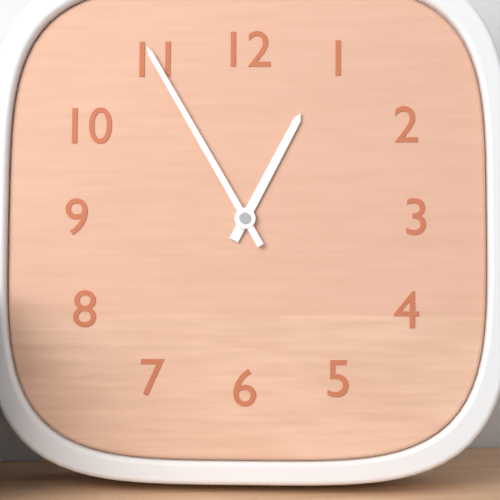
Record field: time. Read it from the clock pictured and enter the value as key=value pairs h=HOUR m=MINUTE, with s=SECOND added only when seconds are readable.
h=12 m=55
